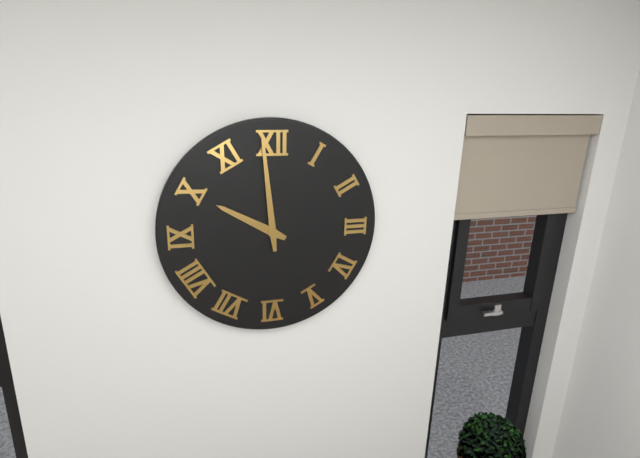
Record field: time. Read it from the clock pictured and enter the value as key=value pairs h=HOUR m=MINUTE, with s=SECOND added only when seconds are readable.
h=9 m=59
